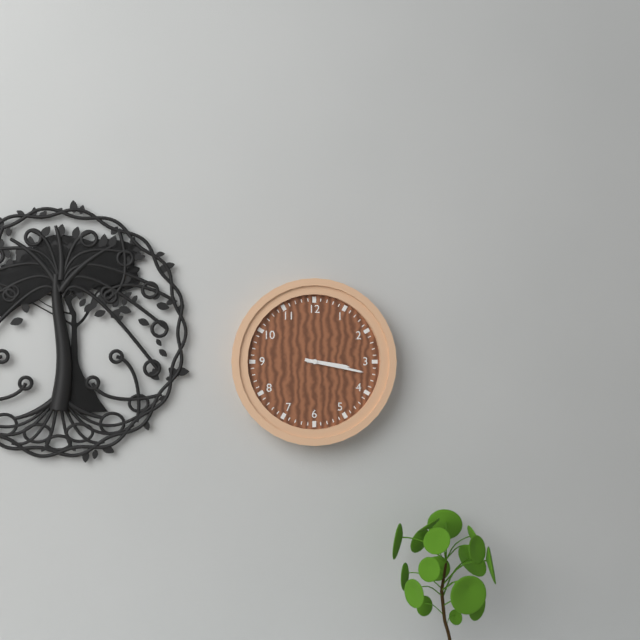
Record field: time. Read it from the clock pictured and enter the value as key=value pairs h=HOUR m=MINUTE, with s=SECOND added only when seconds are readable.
h=3 m=17
